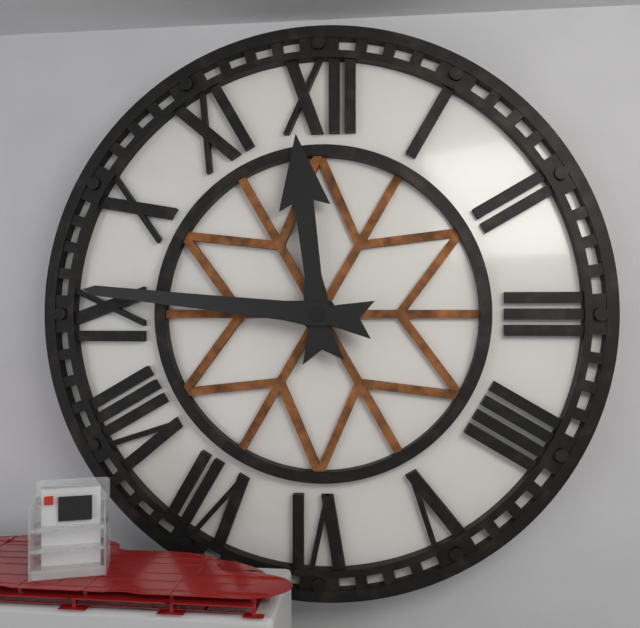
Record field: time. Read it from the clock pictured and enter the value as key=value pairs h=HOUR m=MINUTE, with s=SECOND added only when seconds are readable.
h=11 m=46
